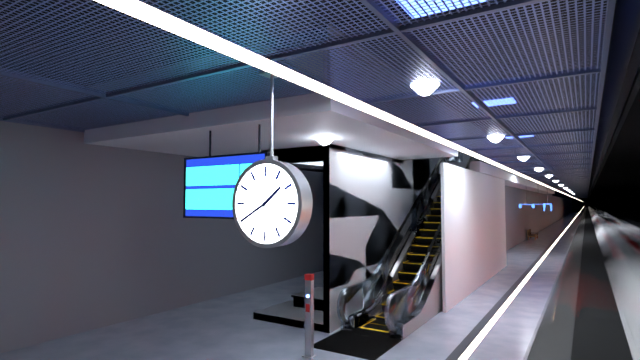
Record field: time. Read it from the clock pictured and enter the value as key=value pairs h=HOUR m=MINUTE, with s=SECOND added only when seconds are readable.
h=1 m=40
